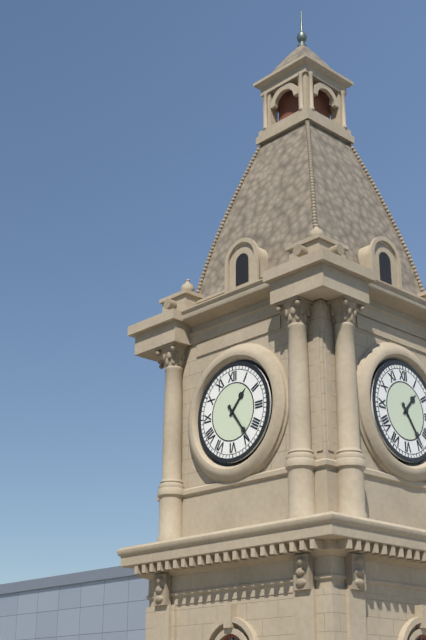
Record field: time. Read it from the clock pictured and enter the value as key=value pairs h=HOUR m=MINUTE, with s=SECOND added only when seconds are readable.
h=1 m=24
